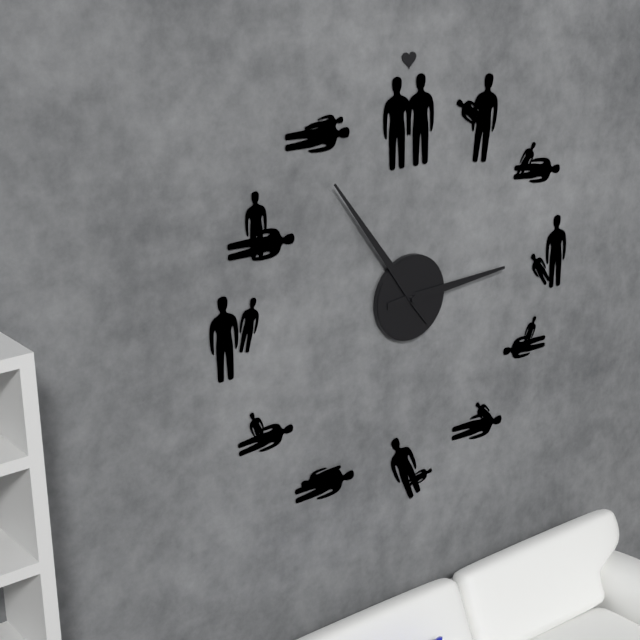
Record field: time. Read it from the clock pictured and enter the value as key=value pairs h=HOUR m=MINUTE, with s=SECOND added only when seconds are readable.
h=2 m=54
